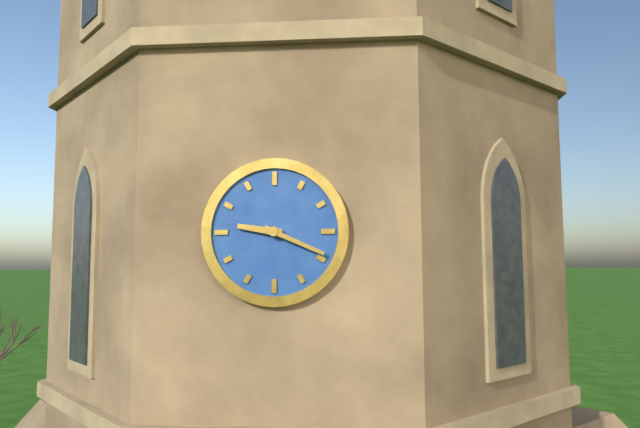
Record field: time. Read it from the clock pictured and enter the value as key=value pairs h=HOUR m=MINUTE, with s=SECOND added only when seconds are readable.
h=9 m=19
